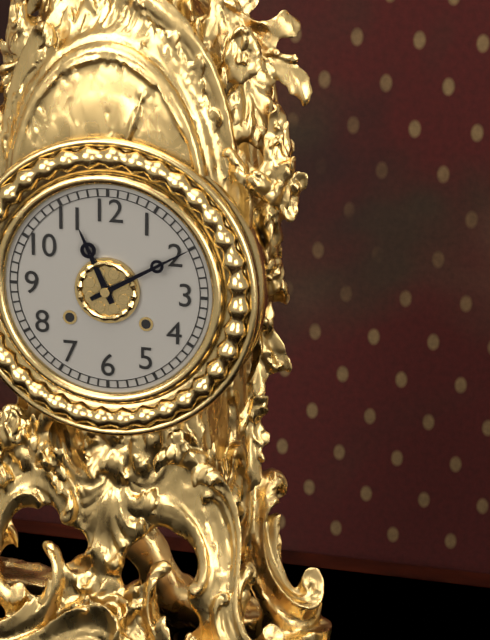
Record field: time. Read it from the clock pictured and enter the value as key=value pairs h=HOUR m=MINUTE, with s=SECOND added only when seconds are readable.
h=11 m=10
